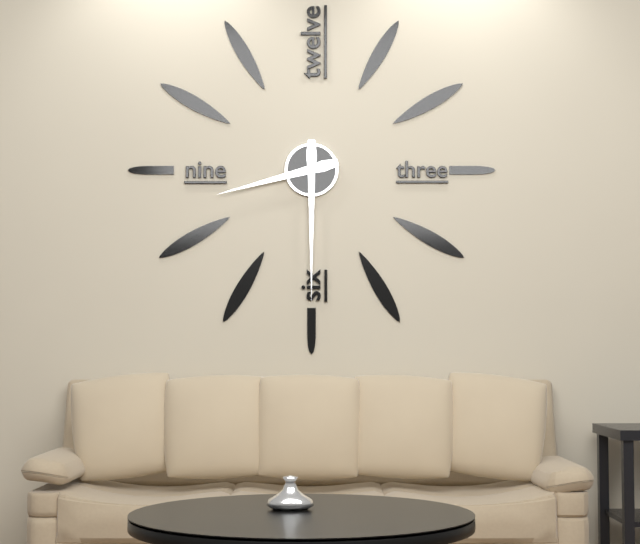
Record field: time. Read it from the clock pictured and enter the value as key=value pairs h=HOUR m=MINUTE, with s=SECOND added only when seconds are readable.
h=8 m=30
